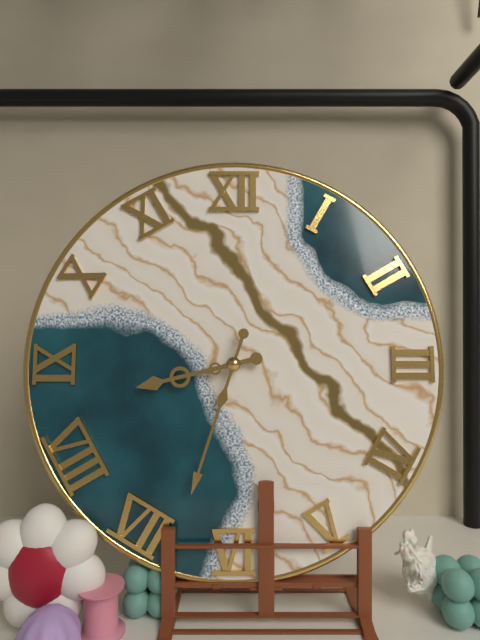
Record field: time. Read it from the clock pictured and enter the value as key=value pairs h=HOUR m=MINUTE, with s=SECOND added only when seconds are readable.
h=8 m=33
